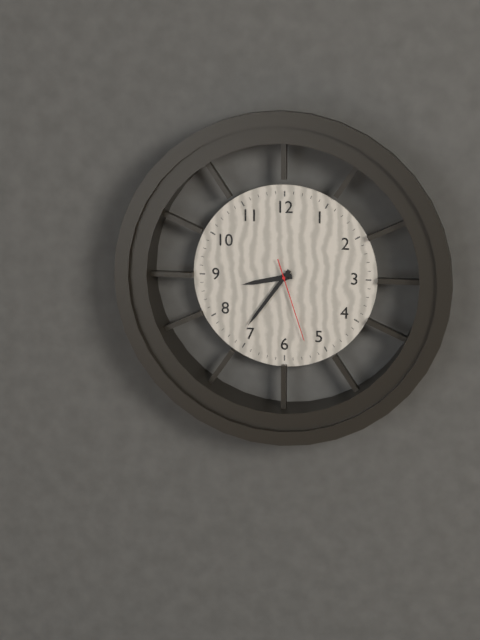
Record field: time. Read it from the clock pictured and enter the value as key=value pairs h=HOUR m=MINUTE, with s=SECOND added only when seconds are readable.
h=8 m=36 s=27
